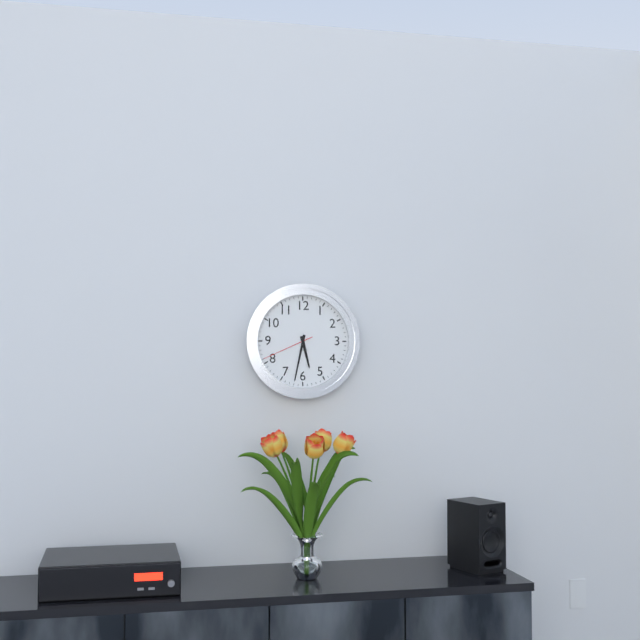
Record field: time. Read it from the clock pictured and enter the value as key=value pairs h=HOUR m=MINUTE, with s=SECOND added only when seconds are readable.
h=5 m=32 s=41
